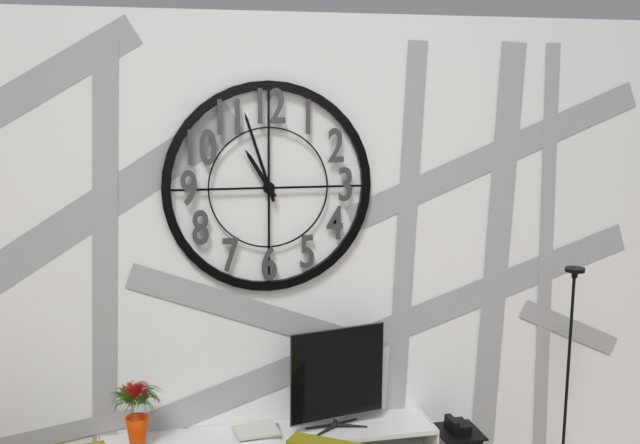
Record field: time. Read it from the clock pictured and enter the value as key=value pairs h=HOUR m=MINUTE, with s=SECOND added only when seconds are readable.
h=10 m=57
